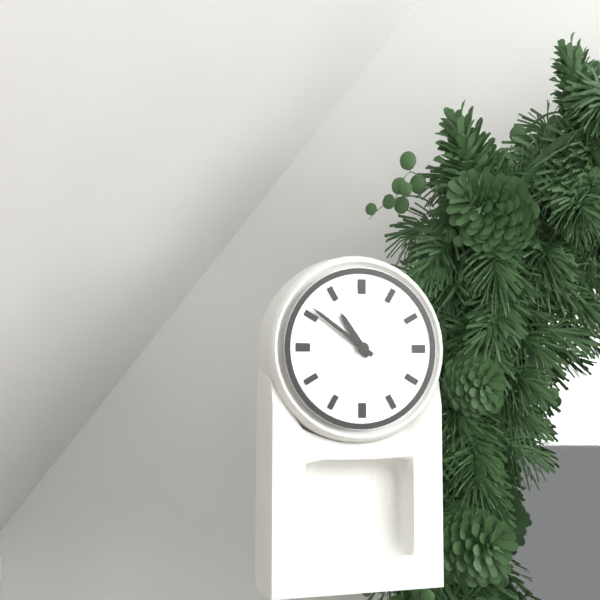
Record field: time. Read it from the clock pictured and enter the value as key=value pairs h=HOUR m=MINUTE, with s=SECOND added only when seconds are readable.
h=10 m=51
